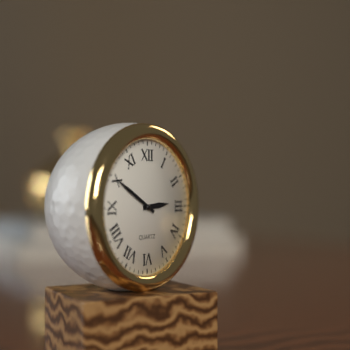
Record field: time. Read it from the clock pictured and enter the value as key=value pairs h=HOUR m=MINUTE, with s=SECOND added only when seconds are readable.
h=2 m=50
